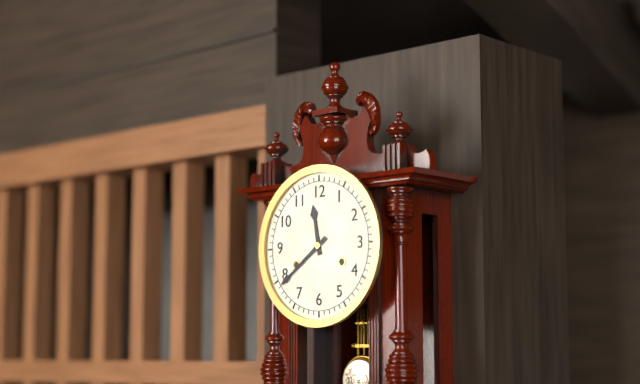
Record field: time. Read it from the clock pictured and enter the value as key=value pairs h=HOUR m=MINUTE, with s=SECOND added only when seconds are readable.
h=11 m=39
